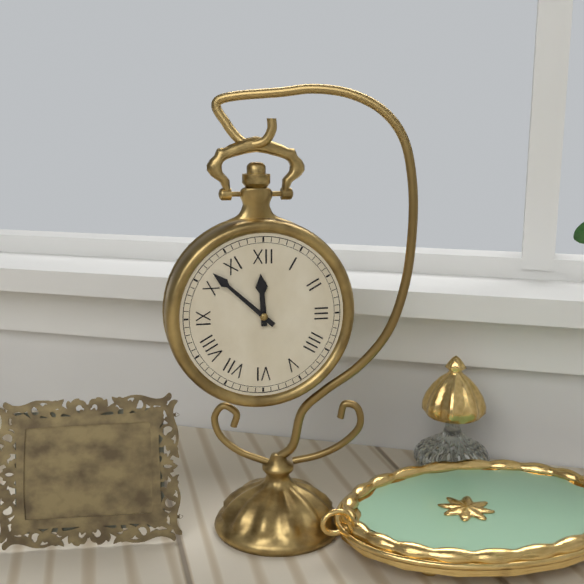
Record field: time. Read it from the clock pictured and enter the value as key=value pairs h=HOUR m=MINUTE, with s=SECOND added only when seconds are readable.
h=11 m=52
